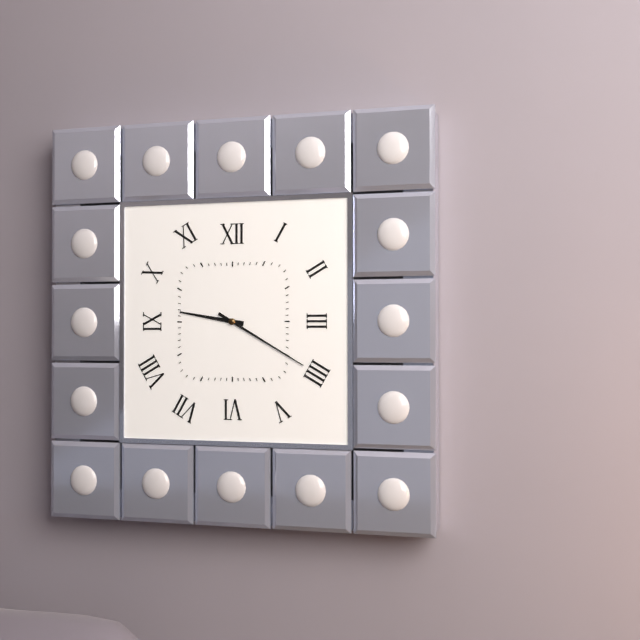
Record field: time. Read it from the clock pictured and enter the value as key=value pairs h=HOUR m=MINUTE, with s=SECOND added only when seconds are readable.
h=9 m=20
